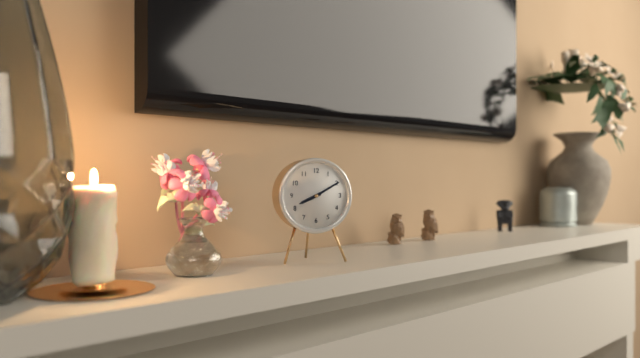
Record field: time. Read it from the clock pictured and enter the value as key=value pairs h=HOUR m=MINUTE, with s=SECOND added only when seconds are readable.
h=8 m=10
